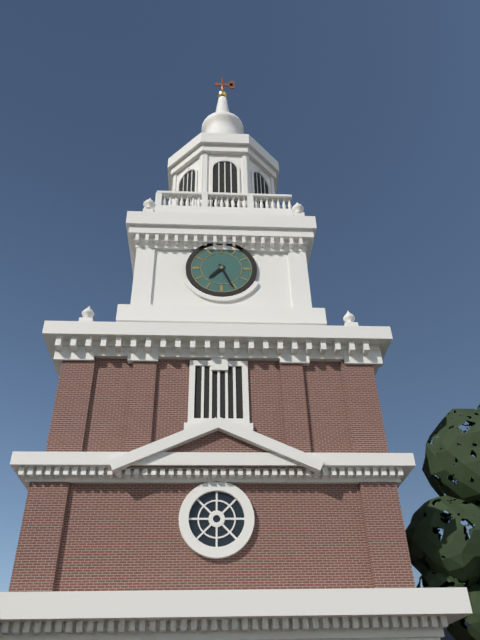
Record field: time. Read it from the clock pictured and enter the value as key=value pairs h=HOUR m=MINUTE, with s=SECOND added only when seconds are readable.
h=7 m=26
